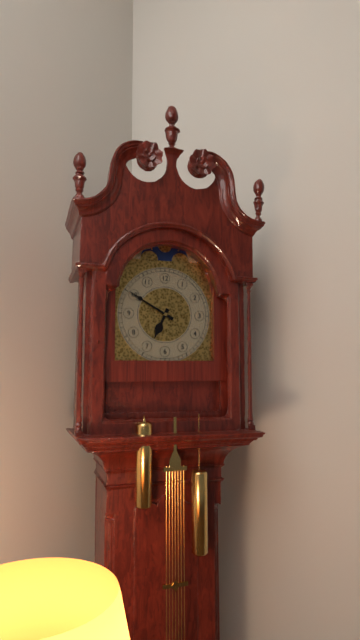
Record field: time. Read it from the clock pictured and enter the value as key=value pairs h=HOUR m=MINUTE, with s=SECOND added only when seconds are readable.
h=6 m=50
